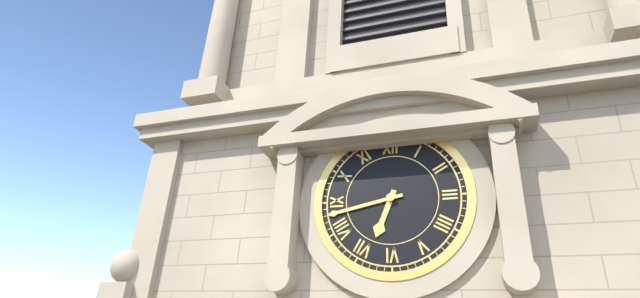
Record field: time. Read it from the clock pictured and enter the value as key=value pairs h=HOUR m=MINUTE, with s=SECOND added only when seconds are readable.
h=6 m=43
